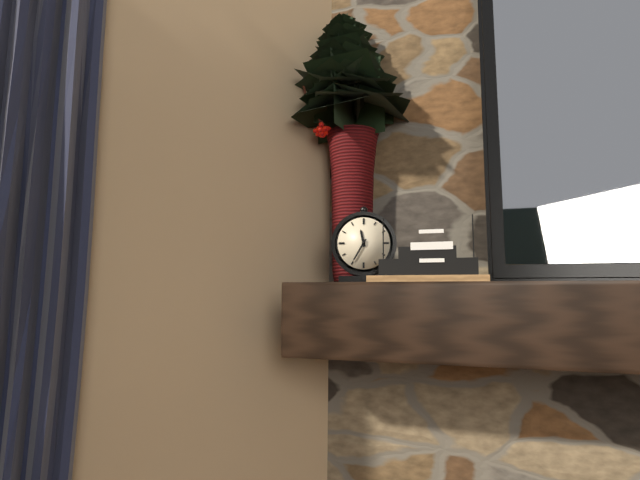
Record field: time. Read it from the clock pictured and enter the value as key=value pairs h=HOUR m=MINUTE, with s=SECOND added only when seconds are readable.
h=11 m=35
